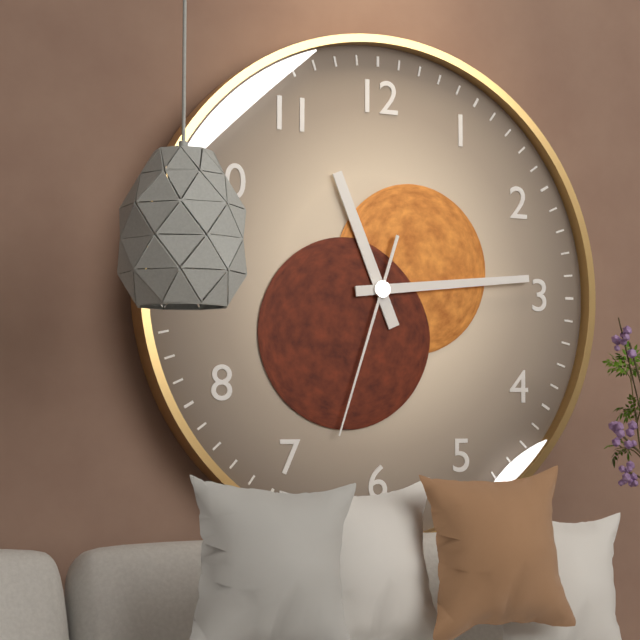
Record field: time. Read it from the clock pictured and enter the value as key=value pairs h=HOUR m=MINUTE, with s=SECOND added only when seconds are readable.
h=11 m=14 s=33
